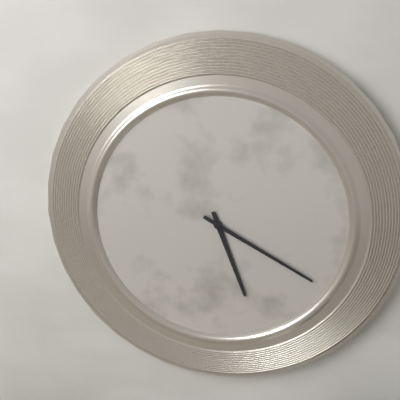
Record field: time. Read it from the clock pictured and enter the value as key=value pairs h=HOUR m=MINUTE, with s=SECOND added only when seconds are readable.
h=5 m=20
